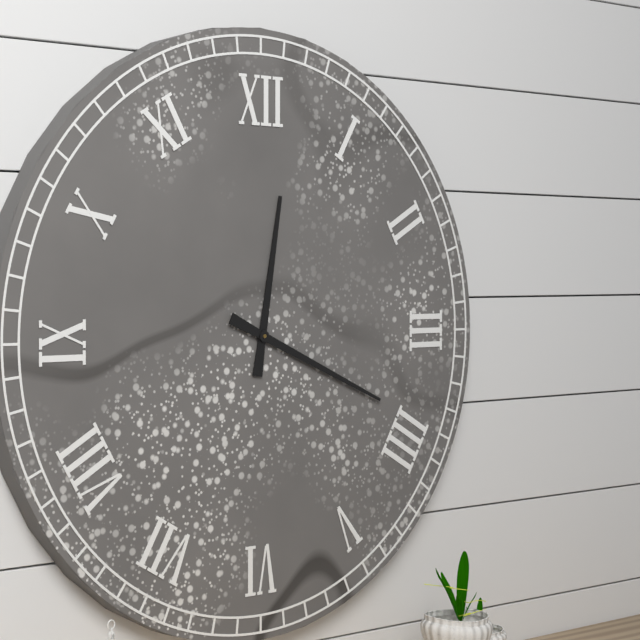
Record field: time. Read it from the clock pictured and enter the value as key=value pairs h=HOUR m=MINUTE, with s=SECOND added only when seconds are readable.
h=12 m=19
